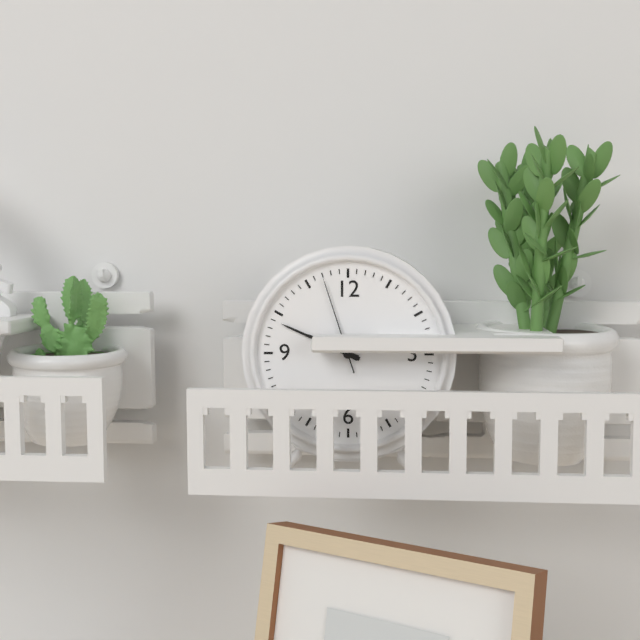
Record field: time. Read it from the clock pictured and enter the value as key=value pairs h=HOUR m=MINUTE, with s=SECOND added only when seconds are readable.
h=9 m=49 s=57
